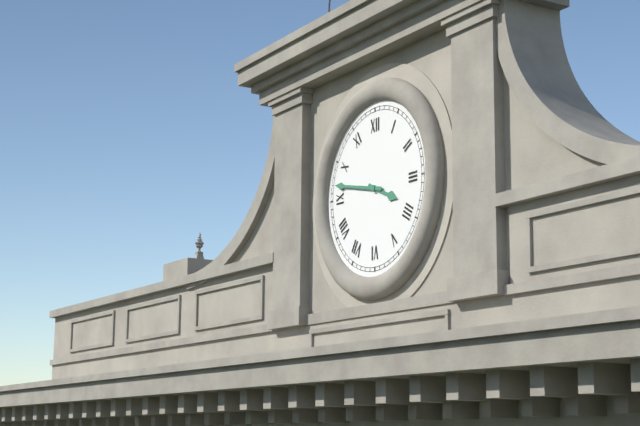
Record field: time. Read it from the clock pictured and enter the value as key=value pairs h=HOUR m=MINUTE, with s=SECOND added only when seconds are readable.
h=3 m=47
